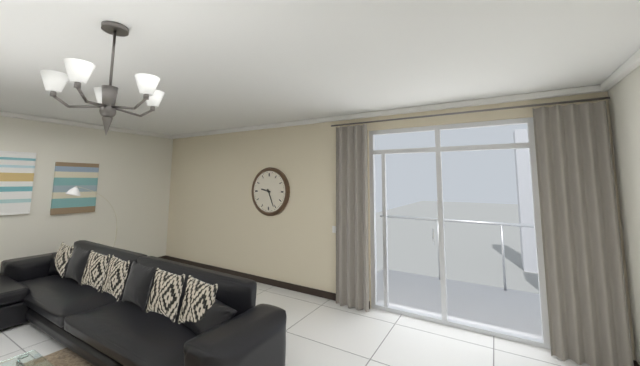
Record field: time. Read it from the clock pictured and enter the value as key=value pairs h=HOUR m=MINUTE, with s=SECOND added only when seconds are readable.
h=9 m=26
